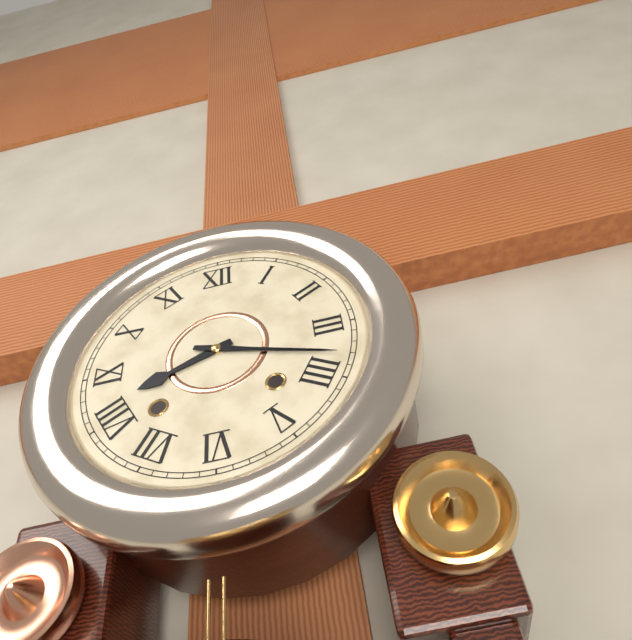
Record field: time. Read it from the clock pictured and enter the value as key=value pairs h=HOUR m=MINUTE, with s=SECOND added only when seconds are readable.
h=8 m=18
